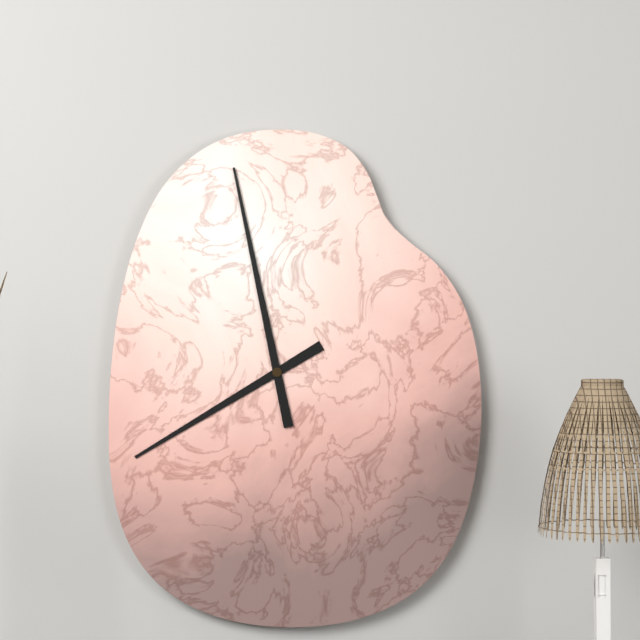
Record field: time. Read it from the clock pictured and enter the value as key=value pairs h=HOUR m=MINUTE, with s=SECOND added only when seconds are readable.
h=7 m=58
